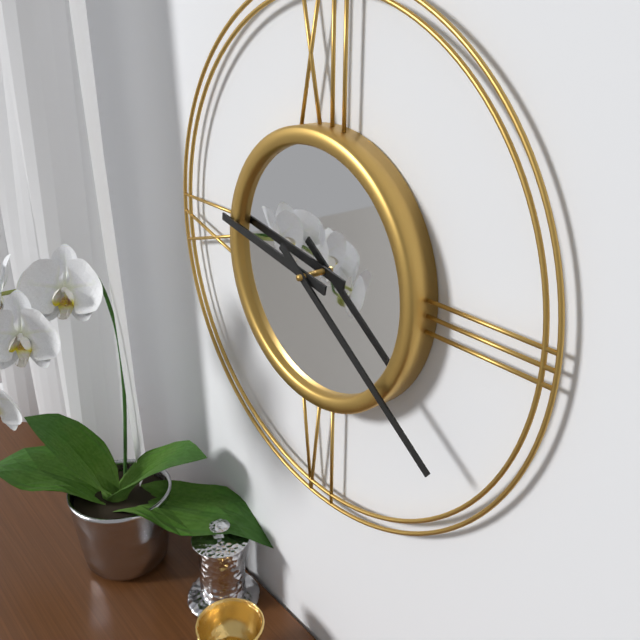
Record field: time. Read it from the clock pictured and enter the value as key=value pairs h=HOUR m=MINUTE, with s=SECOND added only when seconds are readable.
h=9 m=21
